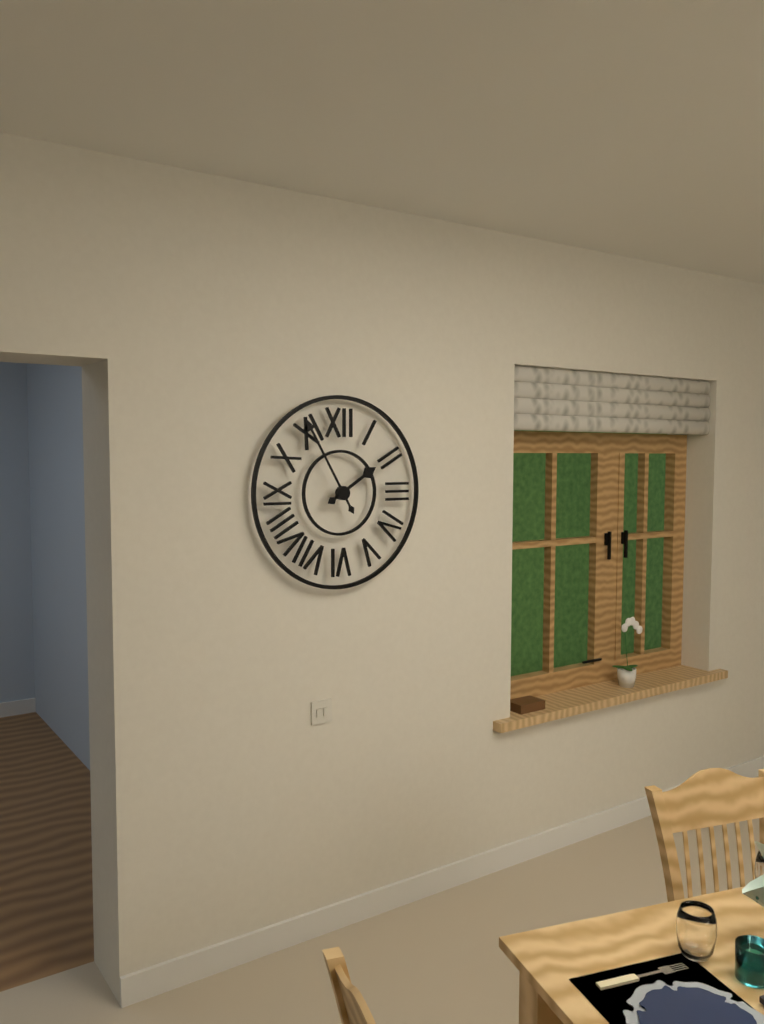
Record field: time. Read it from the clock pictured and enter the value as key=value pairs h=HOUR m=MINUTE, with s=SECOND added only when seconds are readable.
h=1 m=55
